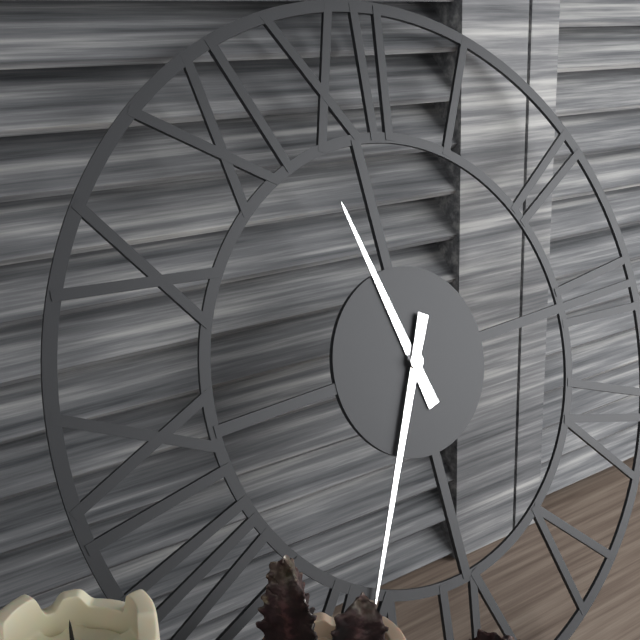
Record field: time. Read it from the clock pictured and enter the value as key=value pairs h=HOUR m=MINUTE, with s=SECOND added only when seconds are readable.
h=11 m=35
